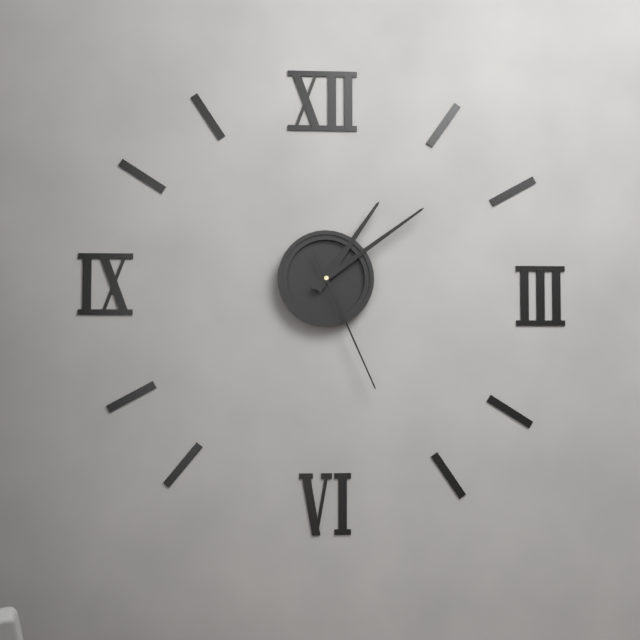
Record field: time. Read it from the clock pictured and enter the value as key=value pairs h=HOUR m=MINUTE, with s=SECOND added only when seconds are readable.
h=1 m=9 s=26
